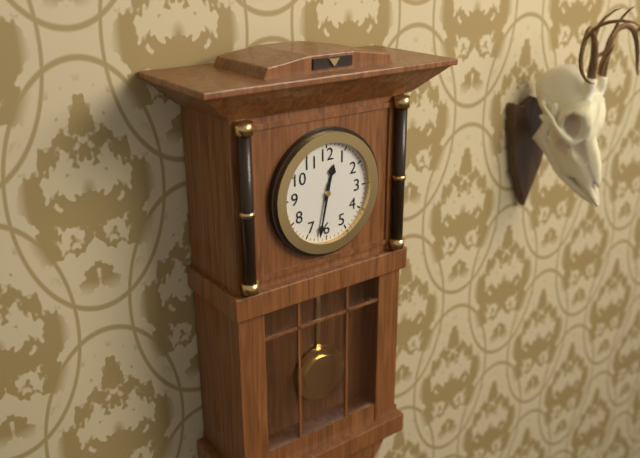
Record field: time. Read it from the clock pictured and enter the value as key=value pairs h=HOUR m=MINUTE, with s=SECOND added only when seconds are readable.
h=12 m=32
